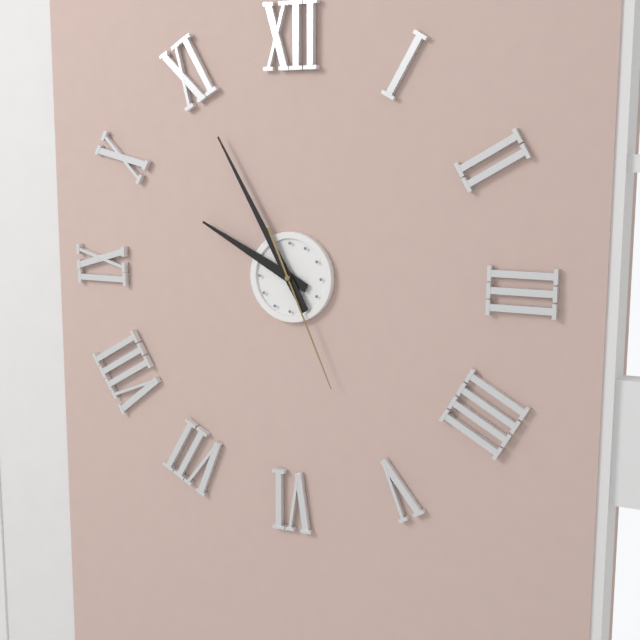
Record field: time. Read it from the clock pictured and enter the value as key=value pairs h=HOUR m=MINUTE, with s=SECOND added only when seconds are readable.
h=9 m=55 s=26
